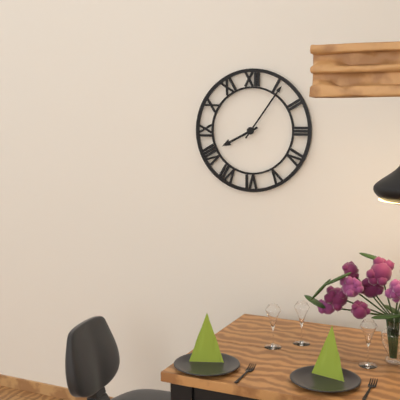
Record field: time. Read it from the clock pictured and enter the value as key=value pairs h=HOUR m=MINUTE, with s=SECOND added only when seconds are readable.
h=8 m=6
